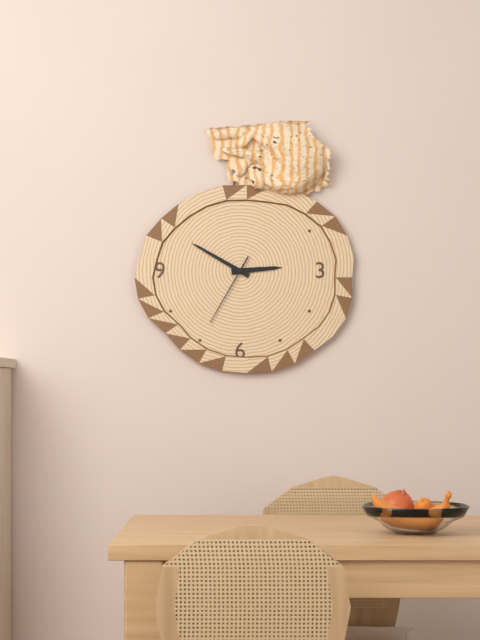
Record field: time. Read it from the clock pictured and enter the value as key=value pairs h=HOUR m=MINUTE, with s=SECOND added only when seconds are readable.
h=2 m=50 s=35
